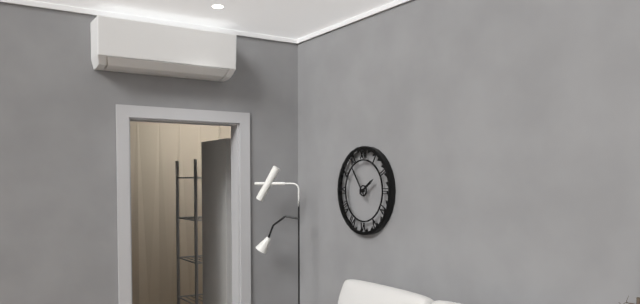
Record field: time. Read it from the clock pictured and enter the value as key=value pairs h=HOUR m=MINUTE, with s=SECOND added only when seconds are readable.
h=1 m=54
